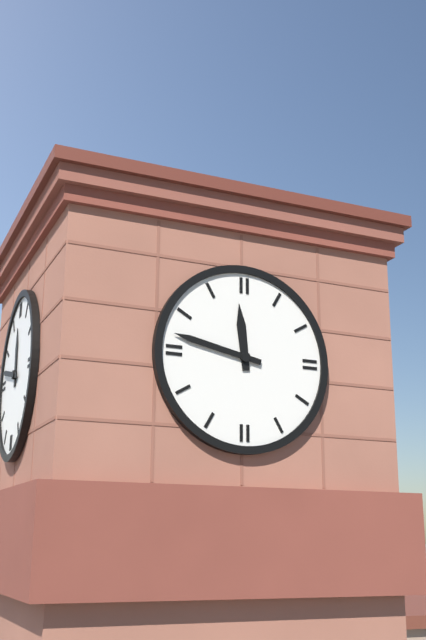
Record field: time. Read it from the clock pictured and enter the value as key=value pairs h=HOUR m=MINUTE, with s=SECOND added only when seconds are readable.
h=11 m=47
